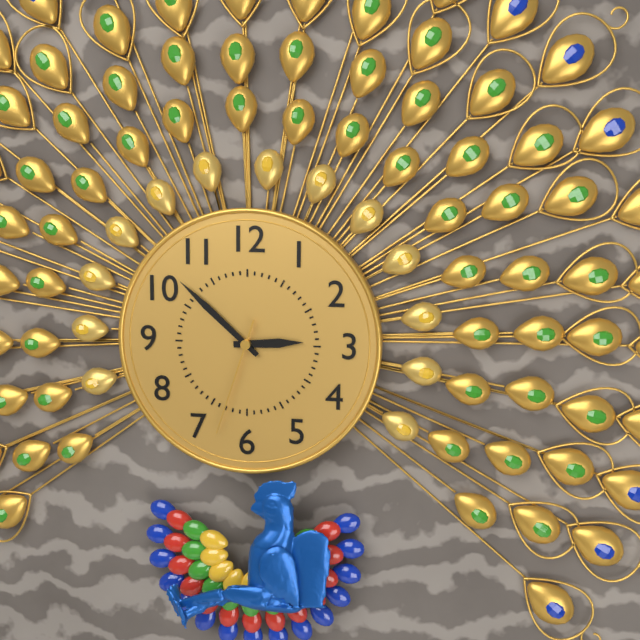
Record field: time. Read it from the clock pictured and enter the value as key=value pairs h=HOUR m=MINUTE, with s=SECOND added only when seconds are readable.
h=2 m=52 s=33
